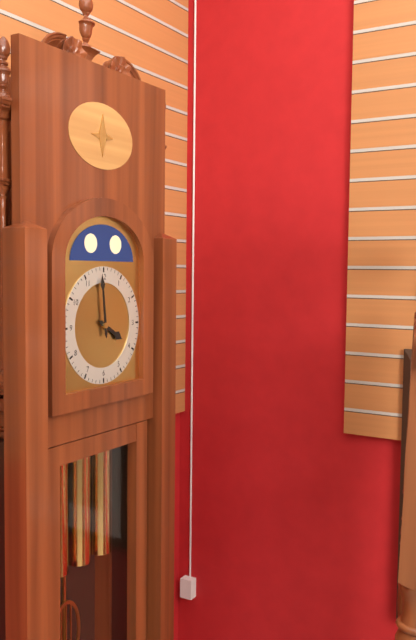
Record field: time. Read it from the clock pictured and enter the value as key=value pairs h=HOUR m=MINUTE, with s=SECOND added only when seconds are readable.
h=3 m=59
